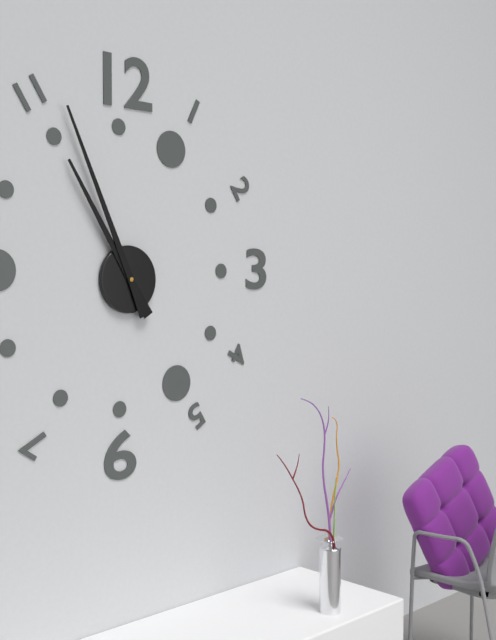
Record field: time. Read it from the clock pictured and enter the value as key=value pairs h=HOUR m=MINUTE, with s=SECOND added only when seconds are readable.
h=10 m=56
